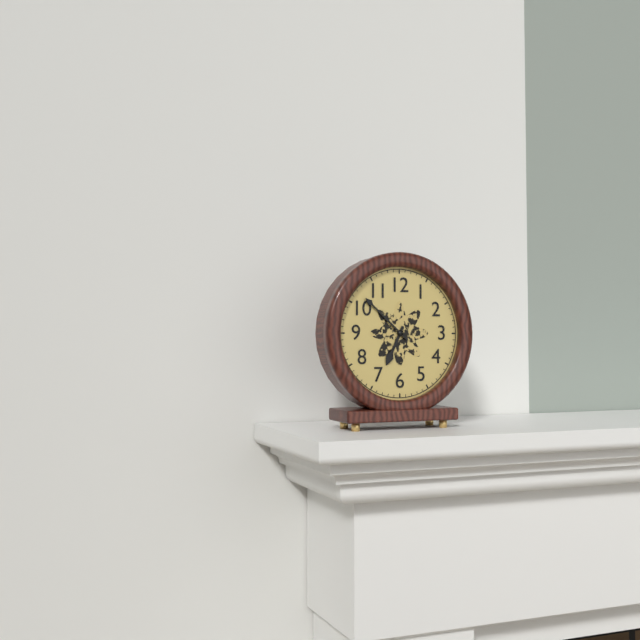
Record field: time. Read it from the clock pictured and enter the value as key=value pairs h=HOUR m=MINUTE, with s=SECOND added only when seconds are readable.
h=6 m=52
